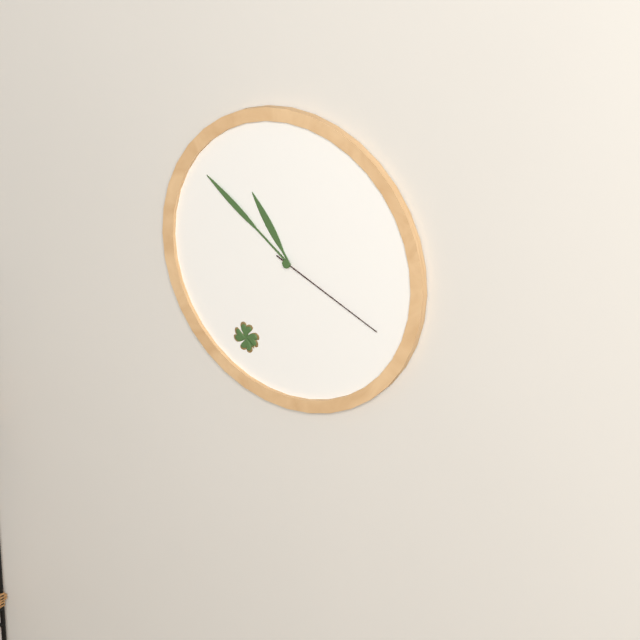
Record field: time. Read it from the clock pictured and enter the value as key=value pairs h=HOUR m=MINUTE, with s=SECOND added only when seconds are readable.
h=10 m=51 s=19
